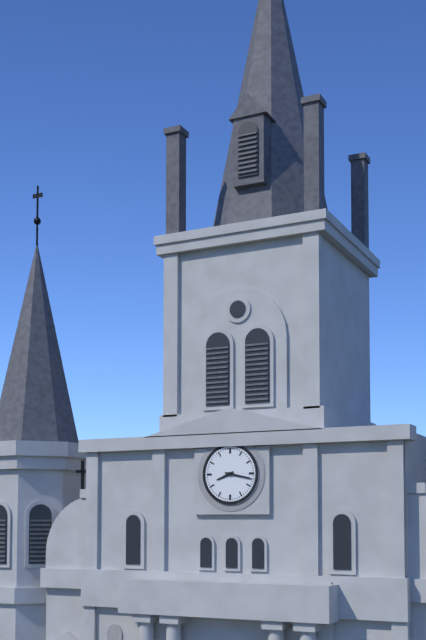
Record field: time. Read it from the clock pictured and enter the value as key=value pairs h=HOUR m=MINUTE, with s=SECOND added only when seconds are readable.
h=8 m=17
